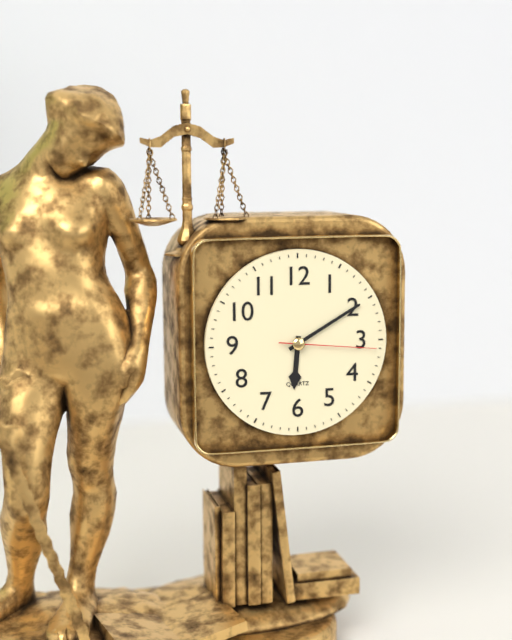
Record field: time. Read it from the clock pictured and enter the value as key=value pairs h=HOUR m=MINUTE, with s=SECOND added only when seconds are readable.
h=6 m=10 s=16
